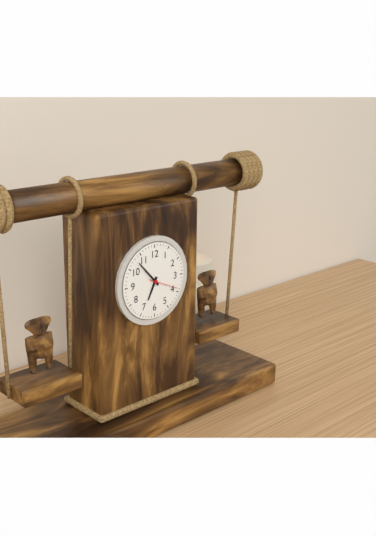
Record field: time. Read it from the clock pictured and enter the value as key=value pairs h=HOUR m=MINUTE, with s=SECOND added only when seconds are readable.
h=6 m=53
